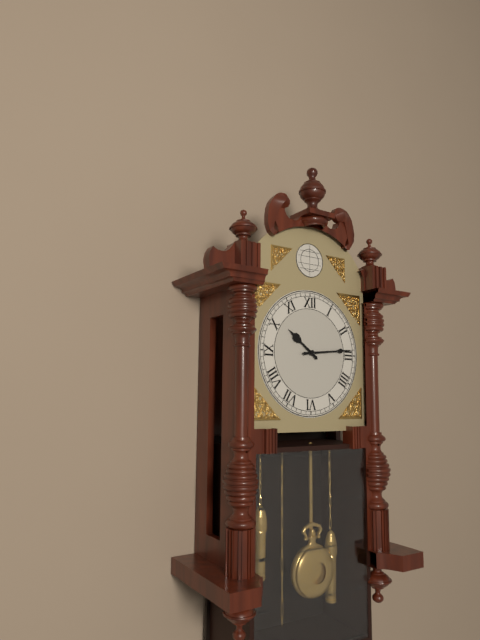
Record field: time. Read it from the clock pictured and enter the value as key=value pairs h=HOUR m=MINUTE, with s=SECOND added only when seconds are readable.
h=10 m=14
